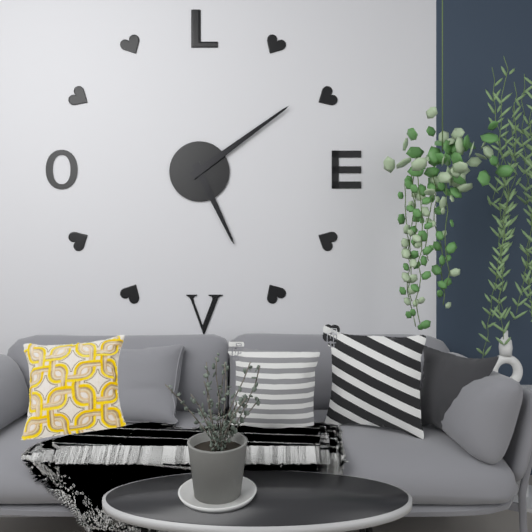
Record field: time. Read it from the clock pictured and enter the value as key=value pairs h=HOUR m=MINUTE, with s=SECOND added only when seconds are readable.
h=5 m=9
